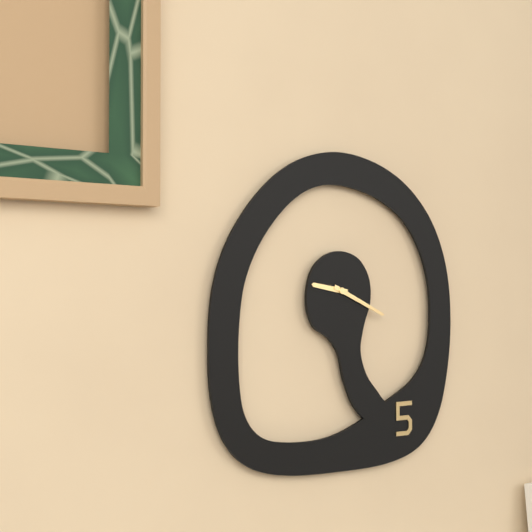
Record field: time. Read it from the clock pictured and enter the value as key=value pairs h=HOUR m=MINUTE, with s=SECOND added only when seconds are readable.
h=9 m=19
